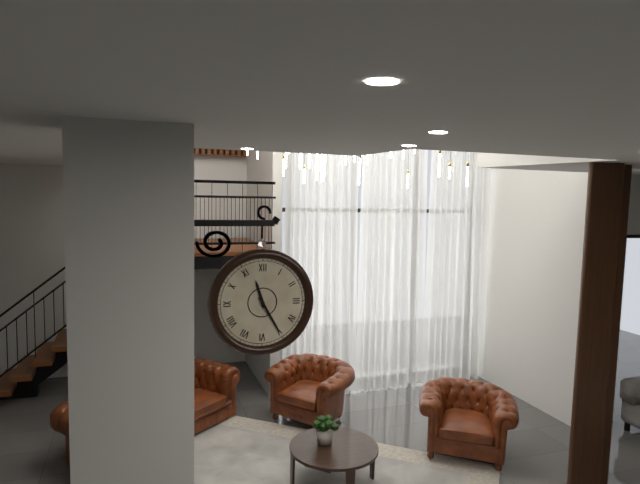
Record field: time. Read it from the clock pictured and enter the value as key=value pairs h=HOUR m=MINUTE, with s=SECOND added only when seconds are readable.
h=11 m=25
